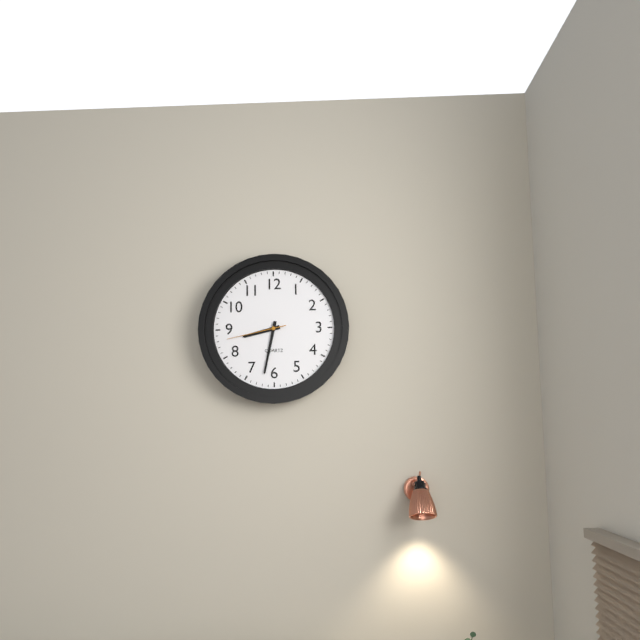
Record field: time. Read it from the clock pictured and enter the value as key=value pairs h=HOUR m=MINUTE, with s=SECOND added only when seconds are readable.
h=8 m=32 s=43
